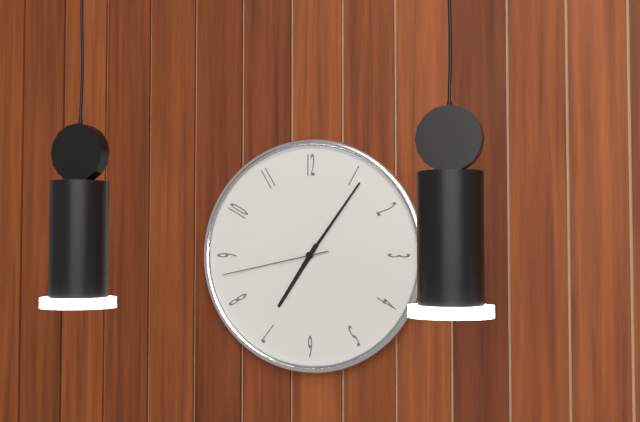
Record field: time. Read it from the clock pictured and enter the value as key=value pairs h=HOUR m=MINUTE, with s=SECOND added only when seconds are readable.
h=7 m=6 s=43
